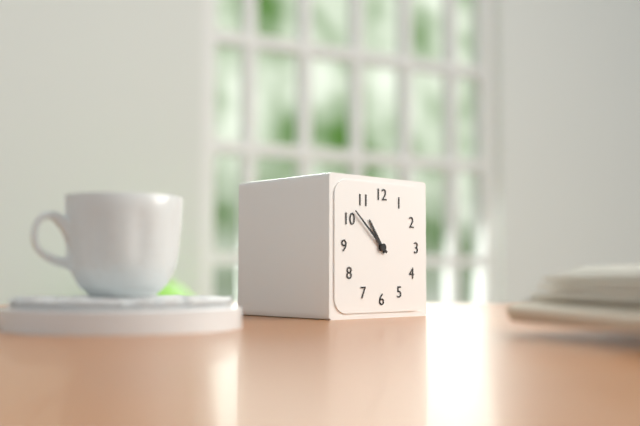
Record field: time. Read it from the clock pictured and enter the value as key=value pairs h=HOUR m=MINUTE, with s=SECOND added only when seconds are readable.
h=10 m=52
